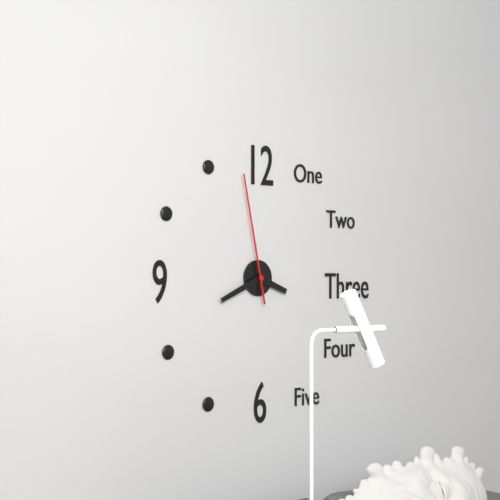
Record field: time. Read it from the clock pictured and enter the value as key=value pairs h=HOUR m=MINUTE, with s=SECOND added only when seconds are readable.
h=3 m=41 s=58
